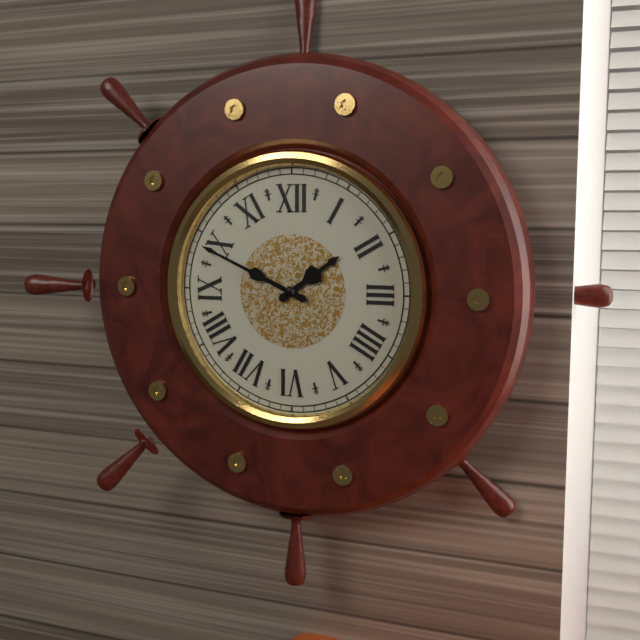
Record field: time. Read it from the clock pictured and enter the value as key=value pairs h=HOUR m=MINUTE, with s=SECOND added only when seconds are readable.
h=1 m=49
